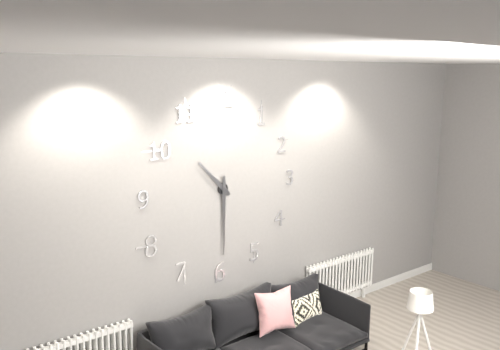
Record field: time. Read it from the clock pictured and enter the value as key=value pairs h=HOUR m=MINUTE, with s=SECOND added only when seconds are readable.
h=10 m=30
